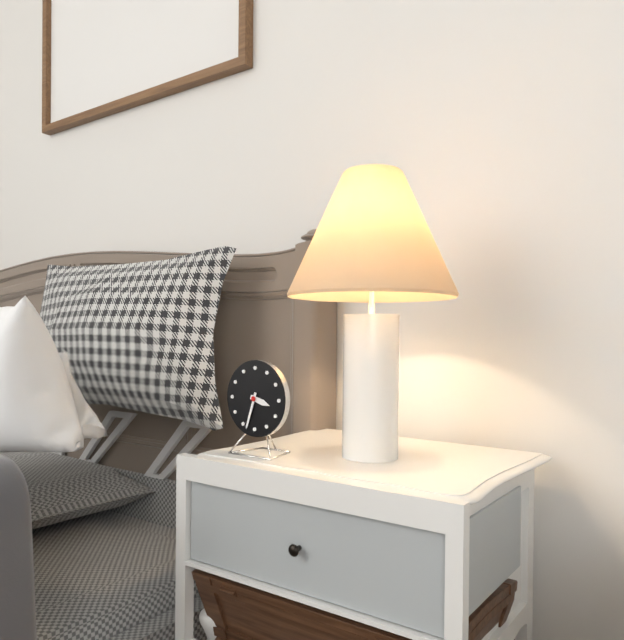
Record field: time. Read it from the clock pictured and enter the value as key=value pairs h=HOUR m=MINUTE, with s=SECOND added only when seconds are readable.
h=3 m=33
